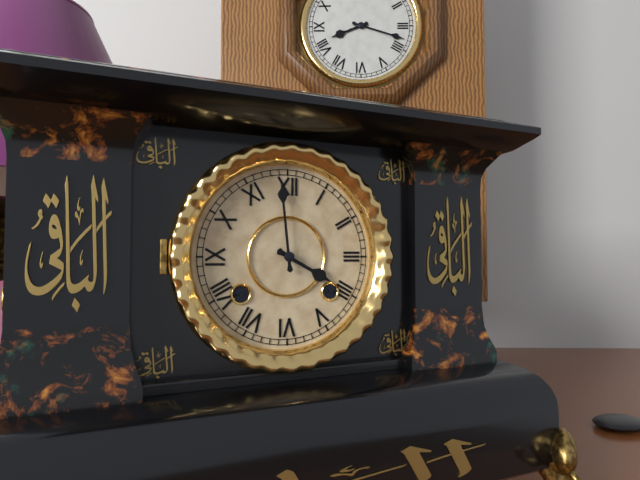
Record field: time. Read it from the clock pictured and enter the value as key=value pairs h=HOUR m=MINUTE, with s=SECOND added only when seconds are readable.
h=3 m=59
